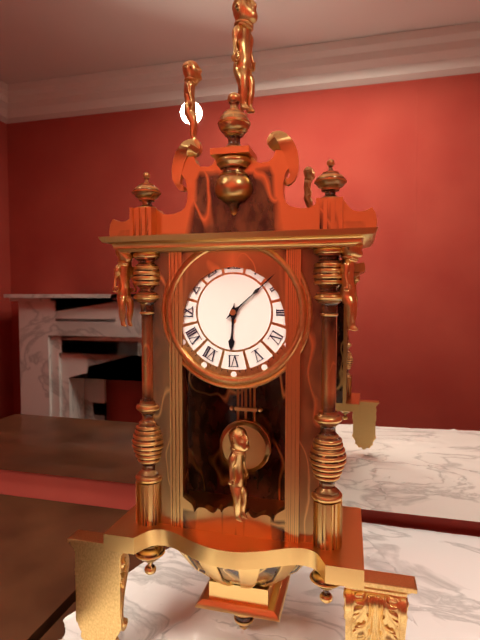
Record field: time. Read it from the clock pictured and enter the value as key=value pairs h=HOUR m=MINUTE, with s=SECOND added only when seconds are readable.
h=6 m=8
